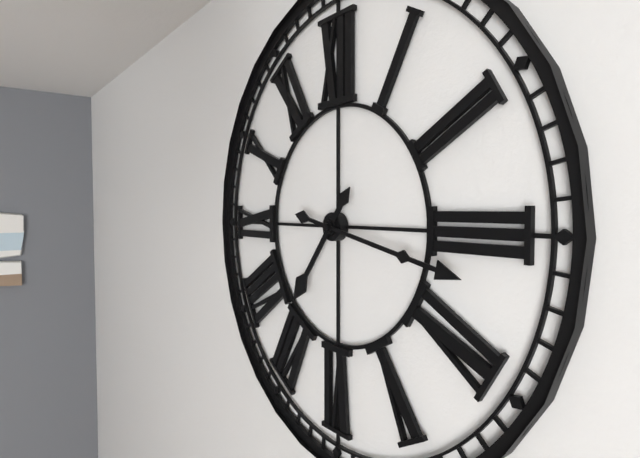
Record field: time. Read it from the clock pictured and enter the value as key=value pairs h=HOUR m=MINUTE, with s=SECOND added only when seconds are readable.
h=7 m=17
